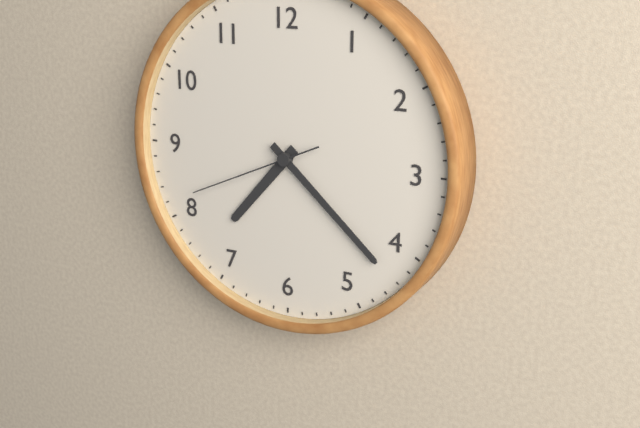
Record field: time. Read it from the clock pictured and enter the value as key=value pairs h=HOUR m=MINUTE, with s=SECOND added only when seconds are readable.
h=7 m=22 s=41
